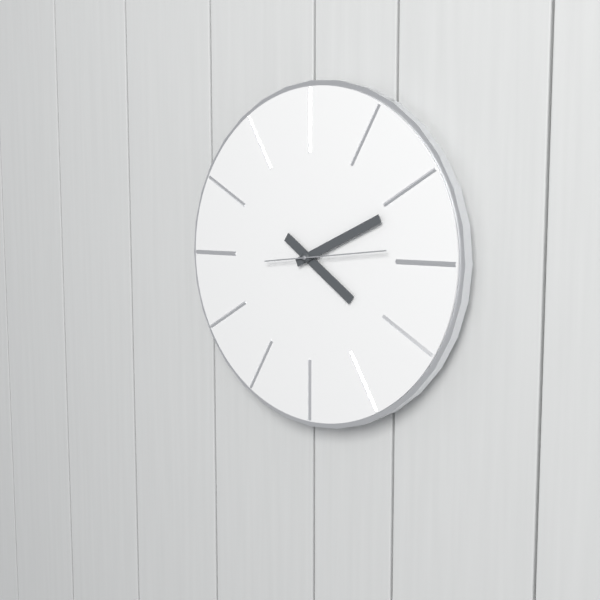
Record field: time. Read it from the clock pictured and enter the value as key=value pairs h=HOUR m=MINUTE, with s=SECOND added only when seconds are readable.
h=4 m=11 s=14
